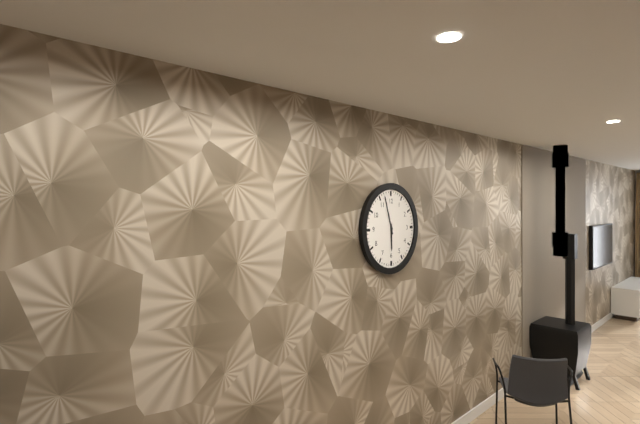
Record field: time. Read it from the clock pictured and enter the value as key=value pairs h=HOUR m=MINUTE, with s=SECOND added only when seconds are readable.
h=5 m=57
